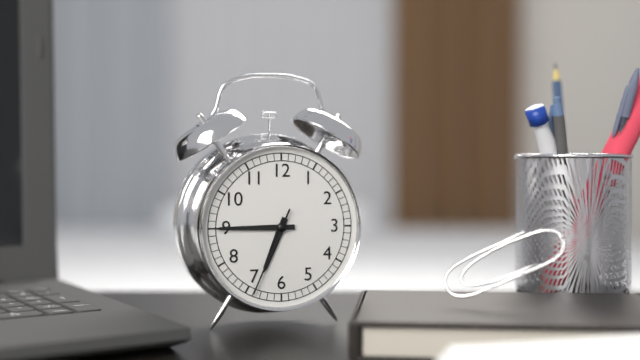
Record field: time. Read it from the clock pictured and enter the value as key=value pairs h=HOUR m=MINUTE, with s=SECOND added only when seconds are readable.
h=6 m=45 s=34
